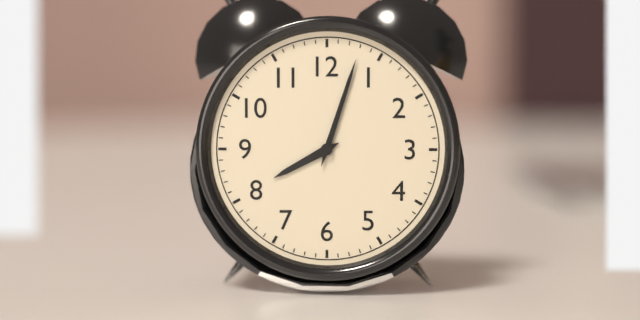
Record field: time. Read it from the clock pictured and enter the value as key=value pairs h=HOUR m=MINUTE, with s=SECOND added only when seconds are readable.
h=8 m=3
